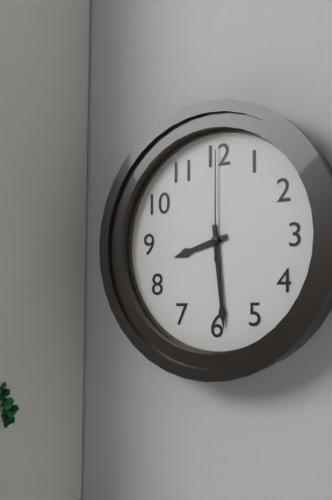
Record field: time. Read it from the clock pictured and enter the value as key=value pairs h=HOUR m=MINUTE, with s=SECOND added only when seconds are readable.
h=8 m=29 s=0
